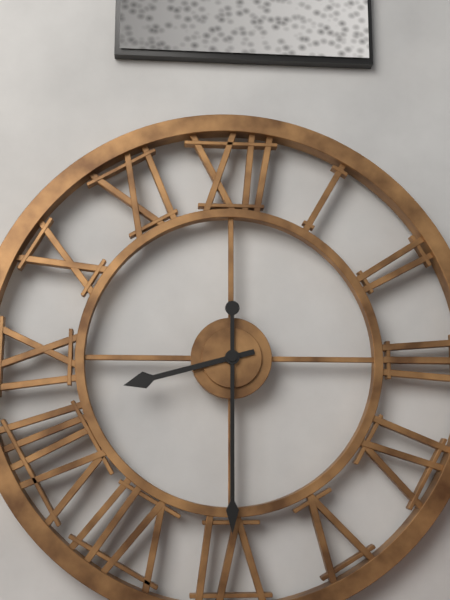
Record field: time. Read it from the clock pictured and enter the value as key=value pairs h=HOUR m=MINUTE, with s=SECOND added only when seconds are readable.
h=8 m=30
